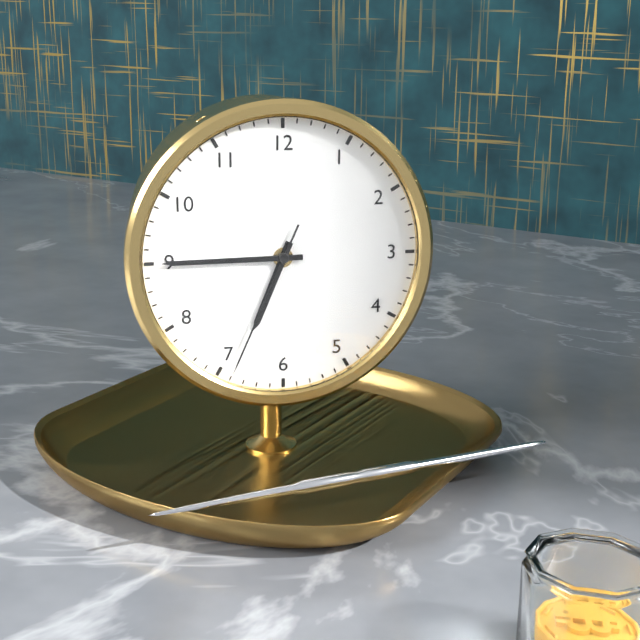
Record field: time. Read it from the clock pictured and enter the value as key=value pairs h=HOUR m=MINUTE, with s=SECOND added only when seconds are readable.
h=6 m=45 s=34
